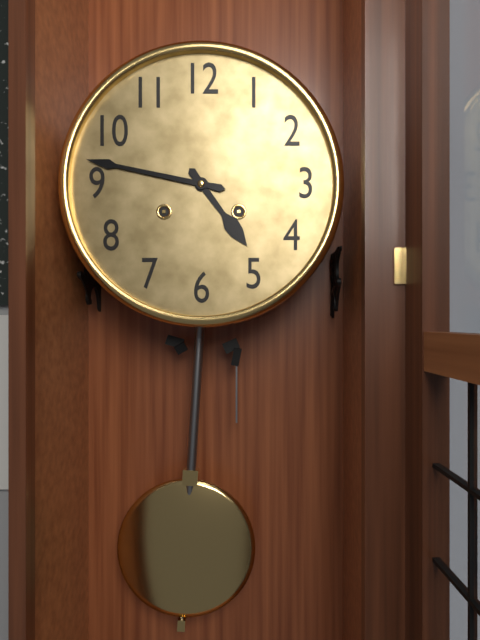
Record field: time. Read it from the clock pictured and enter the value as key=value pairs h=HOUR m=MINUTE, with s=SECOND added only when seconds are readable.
h=4 m=47
